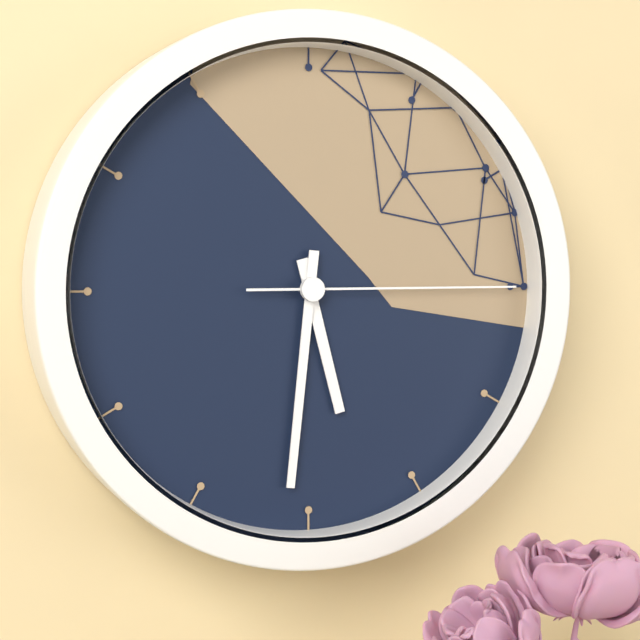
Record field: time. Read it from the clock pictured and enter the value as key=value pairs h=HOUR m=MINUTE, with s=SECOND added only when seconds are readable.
h=5 m=31 s=15
